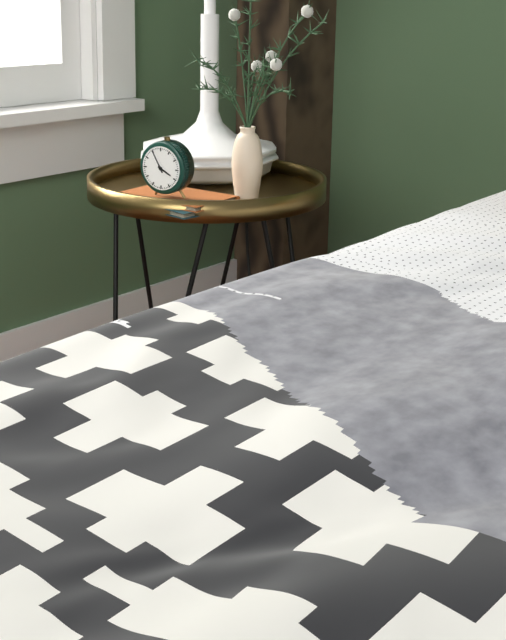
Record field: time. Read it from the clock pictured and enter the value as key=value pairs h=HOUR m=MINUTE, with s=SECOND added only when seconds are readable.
h=3 m=55
